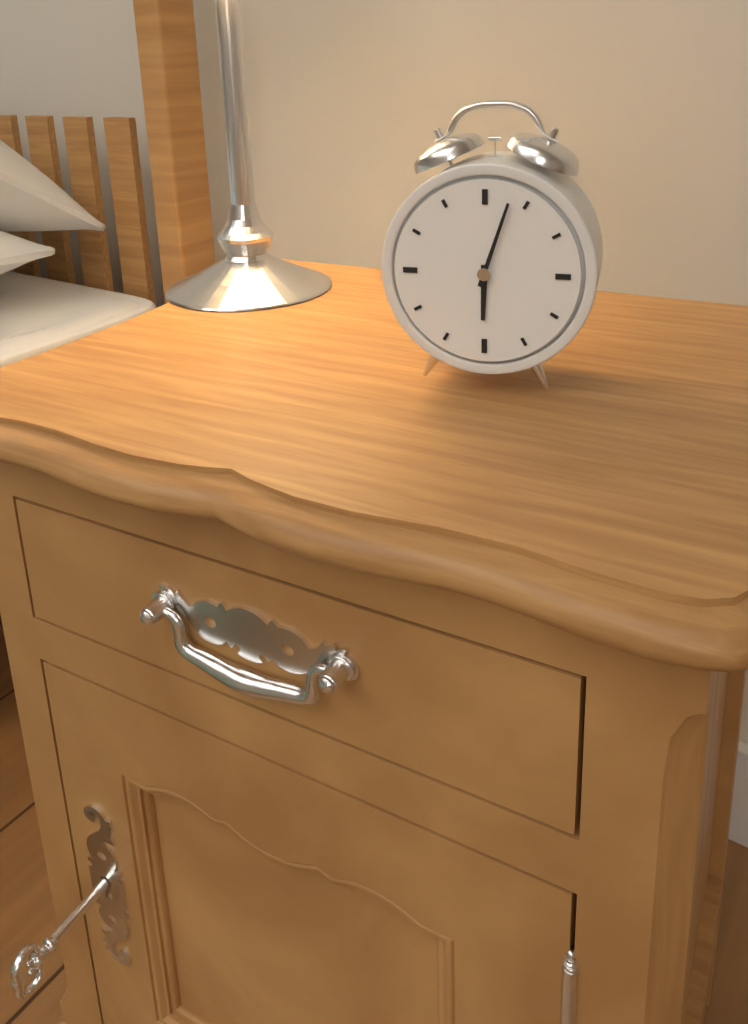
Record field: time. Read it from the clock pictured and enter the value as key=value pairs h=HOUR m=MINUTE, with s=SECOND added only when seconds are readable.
h=6 m=3
